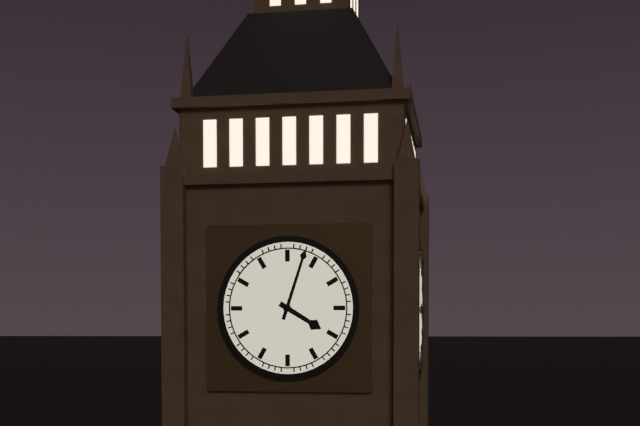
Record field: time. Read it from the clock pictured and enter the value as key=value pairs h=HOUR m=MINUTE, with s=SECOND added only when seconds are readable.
h=4 m=3
